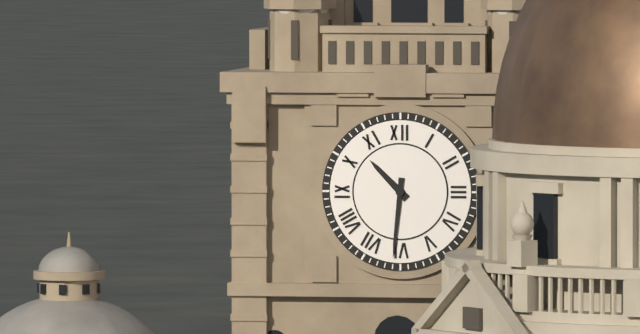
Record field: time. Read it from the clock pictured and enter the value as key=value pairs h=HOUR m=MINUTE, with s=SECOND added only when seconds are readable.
h=10 m=31
